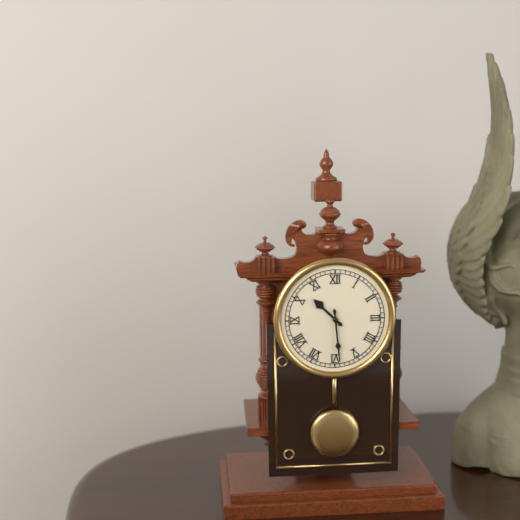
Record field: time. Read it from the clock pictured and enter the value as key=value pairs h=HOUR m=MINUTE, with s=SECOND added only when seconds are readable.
h=10 m=29
